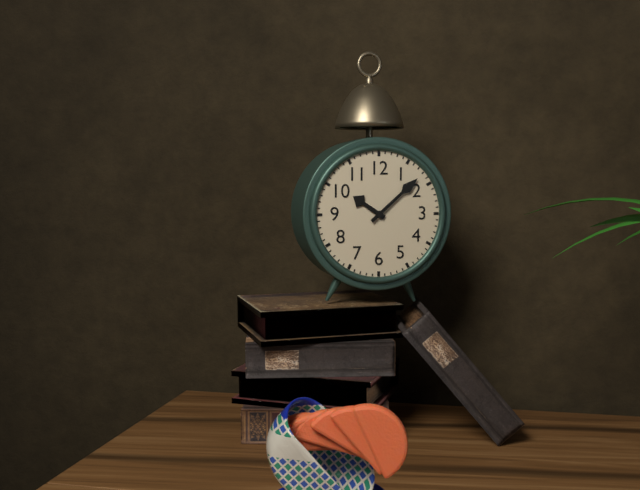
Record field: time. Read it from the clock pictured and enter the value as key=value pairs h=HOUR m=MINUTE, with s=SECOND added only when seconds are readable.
h=10 m=8
